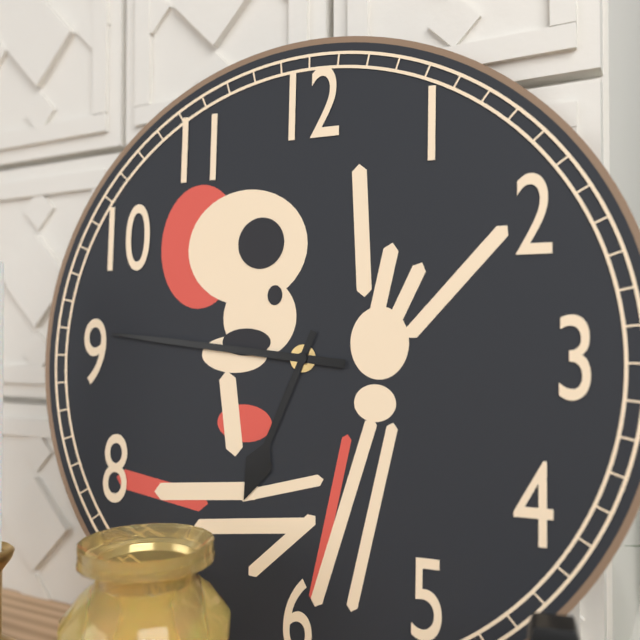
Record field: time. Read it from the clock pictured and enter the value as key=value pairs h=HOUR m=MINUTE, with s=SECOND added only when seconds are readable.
h=6 m=46
